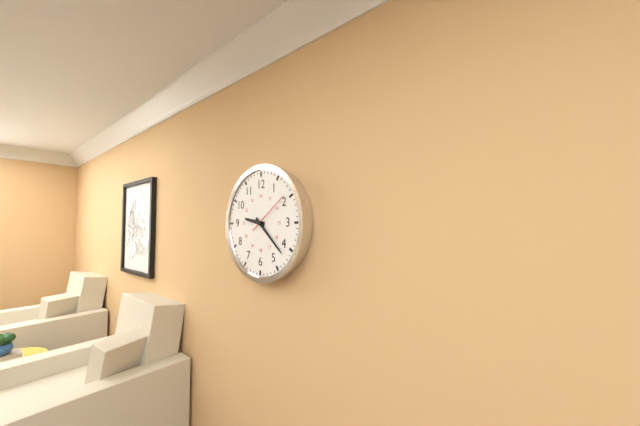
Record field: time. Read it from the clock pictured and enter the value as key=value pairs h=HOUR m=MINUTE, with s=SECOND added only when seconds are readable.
h=9 m=22
